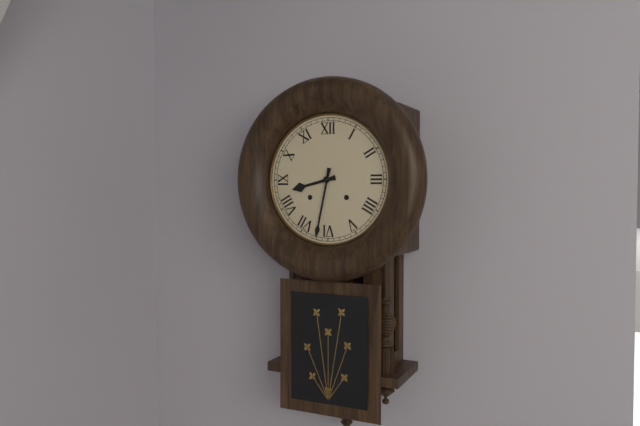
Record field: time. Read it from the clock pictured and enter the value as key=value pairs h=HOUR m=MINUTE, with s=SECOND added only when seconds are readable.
h=8 m=32
